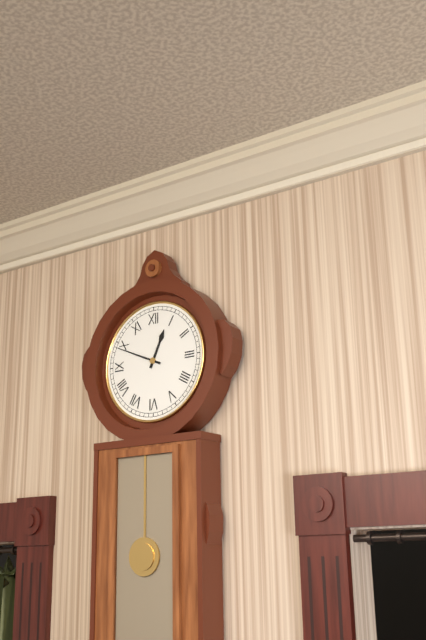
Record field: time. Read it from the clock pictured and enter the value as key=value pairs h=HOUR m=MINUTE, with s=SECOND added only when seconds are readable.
h=12 m=49
